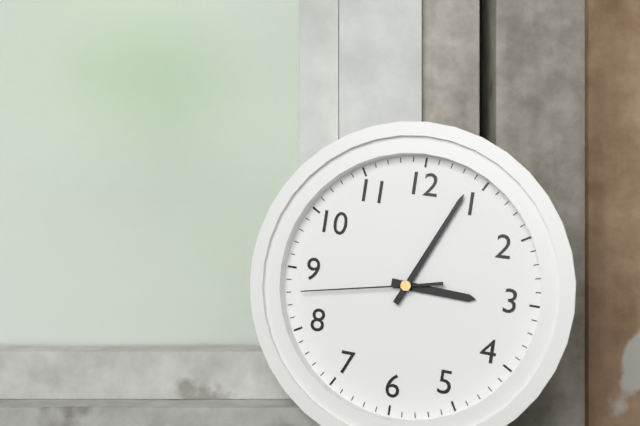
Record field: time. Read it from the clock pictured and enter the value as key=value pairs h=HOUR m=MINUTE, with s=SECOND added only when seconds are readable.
h=3 m=4 s=43
